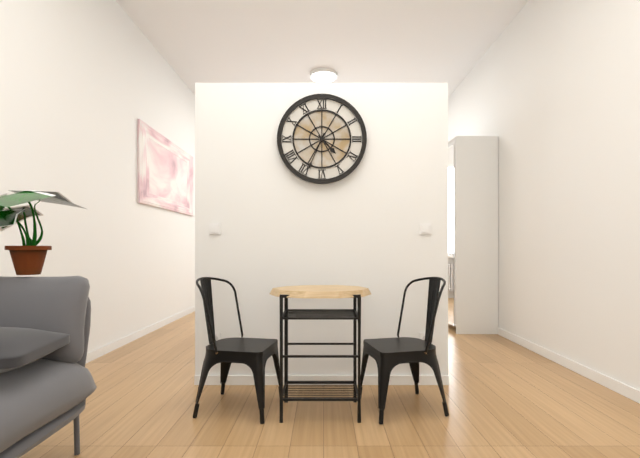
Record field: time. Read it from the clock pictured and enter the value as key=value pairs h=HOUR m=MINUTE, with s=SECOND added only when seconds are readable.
h=4 m=34
